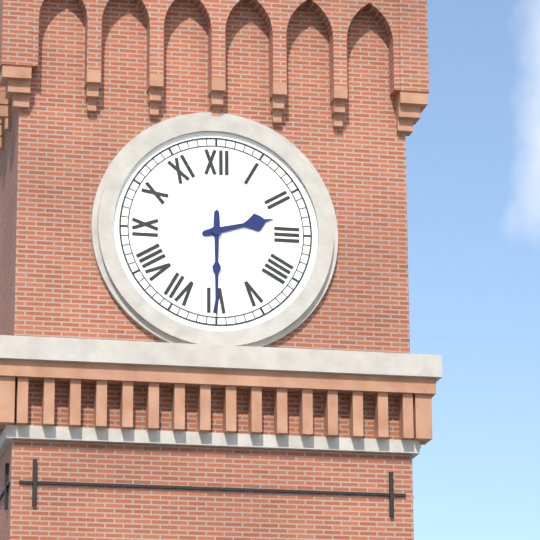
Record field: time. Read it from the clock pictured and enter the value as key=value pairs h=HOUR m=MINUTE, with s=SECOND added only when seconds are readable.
h=2 m=30
